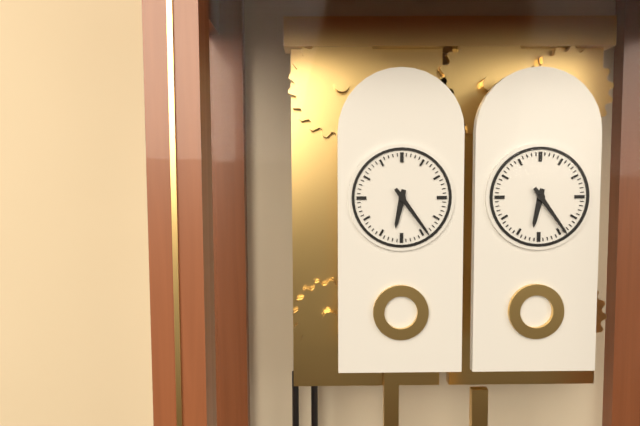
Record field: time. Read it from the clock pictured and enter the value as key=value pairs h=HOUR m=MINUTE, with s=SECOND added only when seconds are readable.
h=6 m=24
